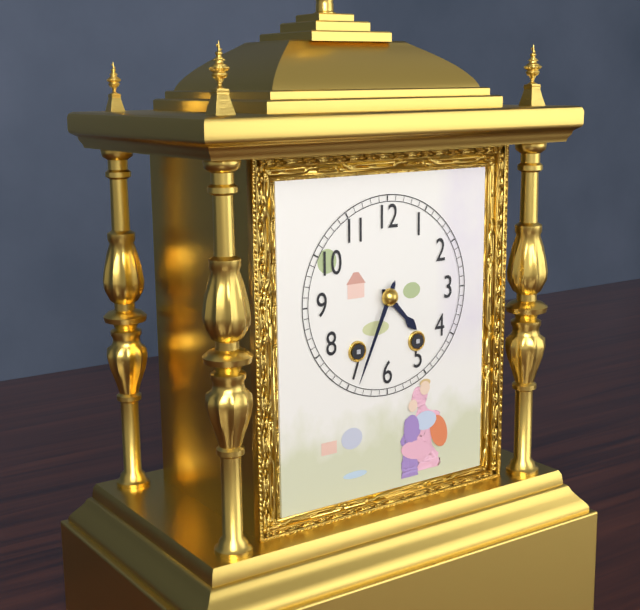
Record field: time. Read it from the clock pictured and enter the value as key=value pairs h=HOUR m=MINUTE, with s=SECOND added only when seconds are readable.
h=4 m=34
